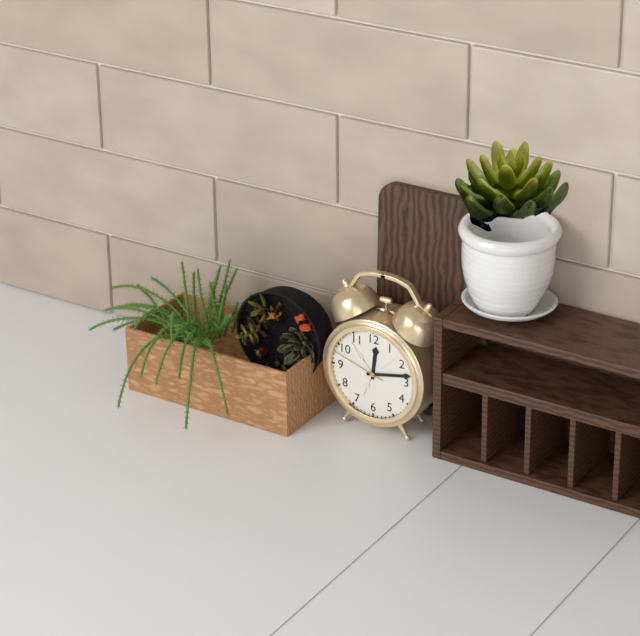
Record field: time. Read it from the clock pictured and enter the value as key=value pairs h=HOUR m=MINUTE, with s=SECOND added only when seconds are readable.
h=12 m=13 s=48
